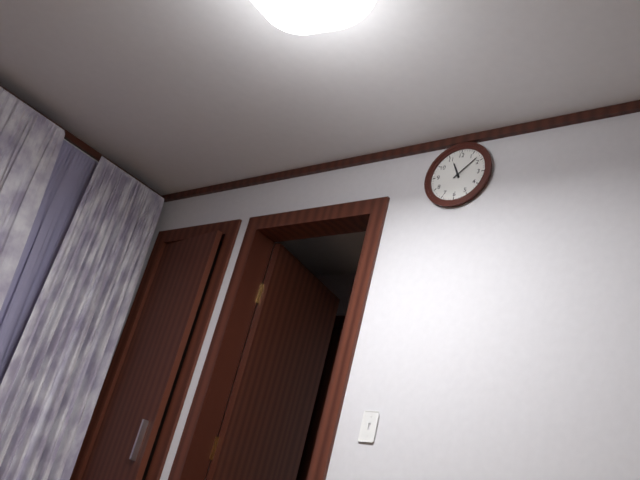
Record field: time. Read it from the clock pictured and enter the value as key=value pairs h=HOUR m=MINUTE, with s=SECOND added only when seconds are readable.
h=11 m=8
